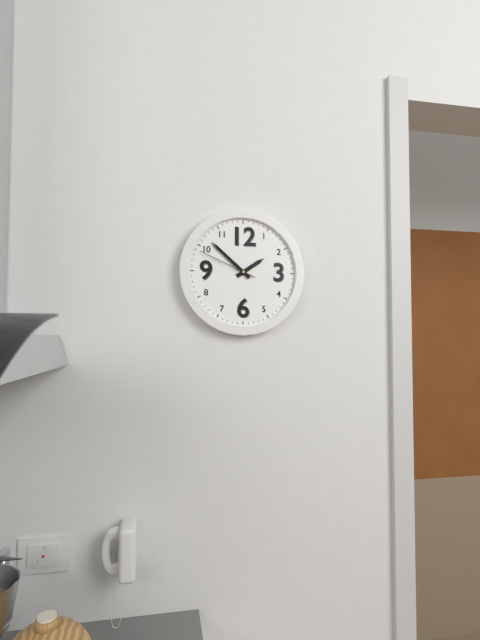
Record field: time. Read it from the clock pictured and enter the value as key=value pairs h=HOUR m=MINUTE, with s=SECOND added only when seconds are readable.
h=1 m=52 s=49
